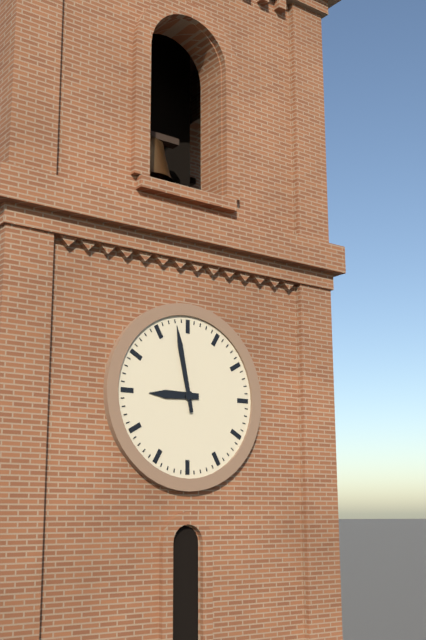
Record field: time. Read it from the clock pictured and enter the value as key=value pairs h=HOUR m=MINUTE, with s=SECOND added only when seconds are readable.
h=8 m=58
